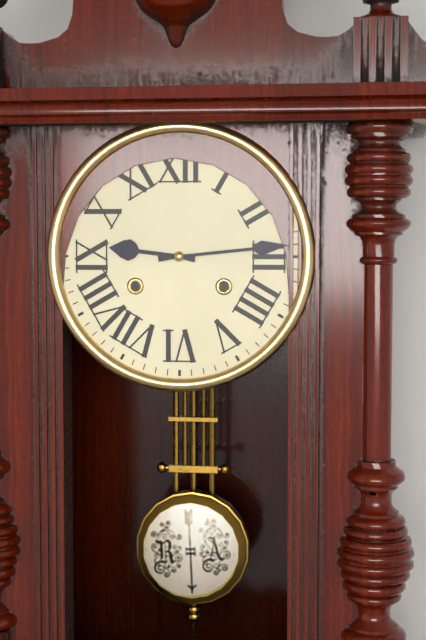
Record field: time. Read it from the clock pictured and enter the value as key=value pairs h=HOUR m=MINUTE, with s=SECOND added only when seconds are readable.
h=9 m=14
